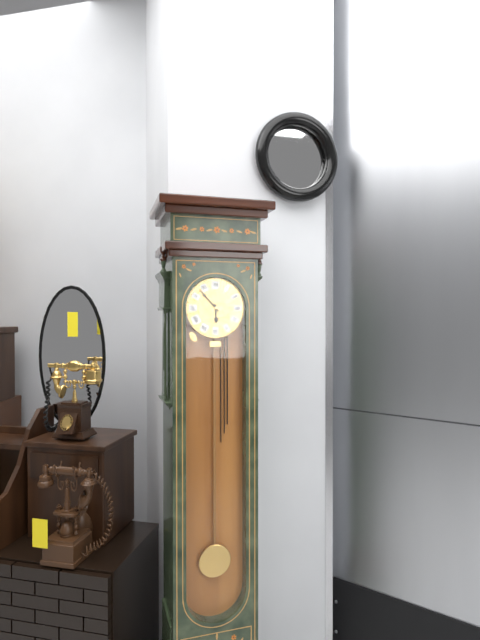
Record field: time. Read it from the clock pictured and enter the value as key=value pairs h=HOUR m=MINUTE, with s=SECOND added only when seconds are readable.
h=5 m=53
